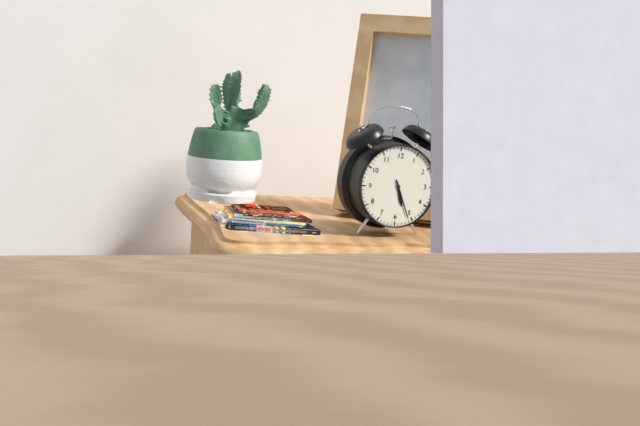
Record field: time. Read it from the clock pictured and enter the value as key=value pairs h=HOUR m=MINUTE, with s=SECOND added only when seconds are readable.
h=5 m=26
